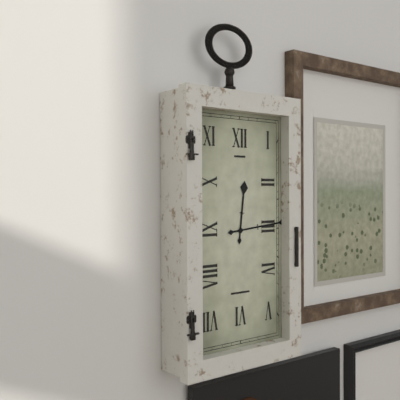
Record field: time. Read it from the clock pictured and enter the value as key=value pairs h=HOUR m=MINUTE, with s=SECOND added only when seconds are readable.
h=12 m=14
